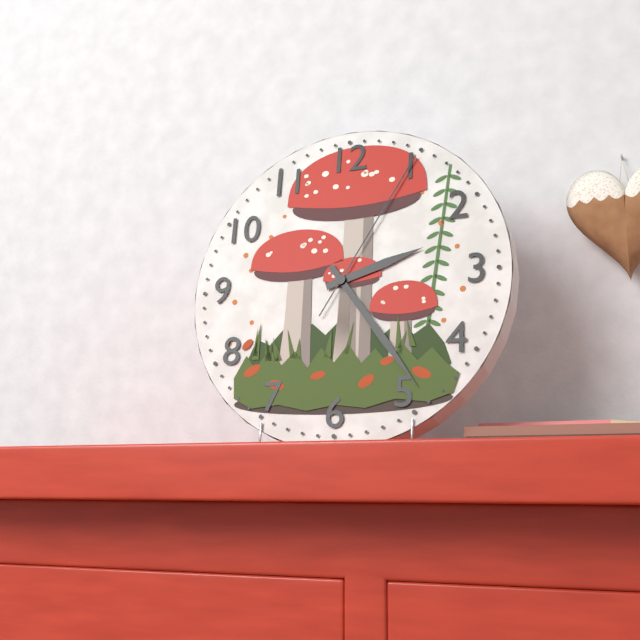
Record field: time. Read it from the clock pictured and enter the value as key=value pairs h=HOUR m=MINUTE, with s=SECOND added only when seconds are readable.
h=2 m=24 s=5
